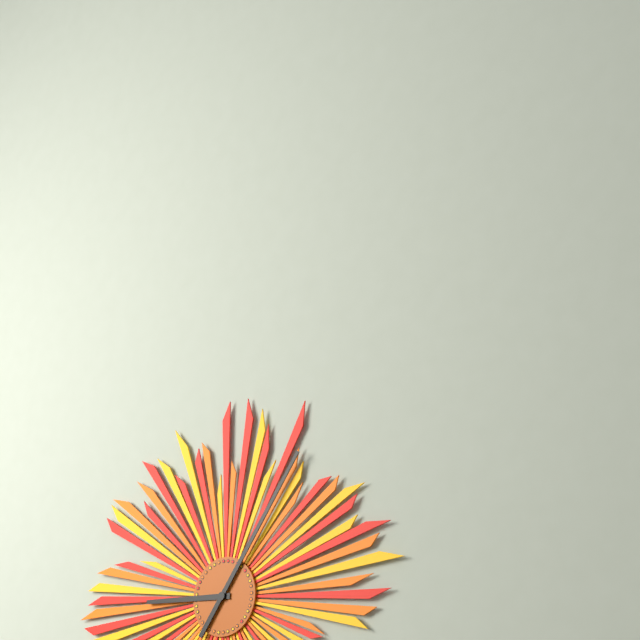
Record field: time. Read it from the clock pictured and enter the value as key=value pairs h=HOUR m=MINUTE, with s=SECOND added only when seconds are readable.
h=9 m=6
